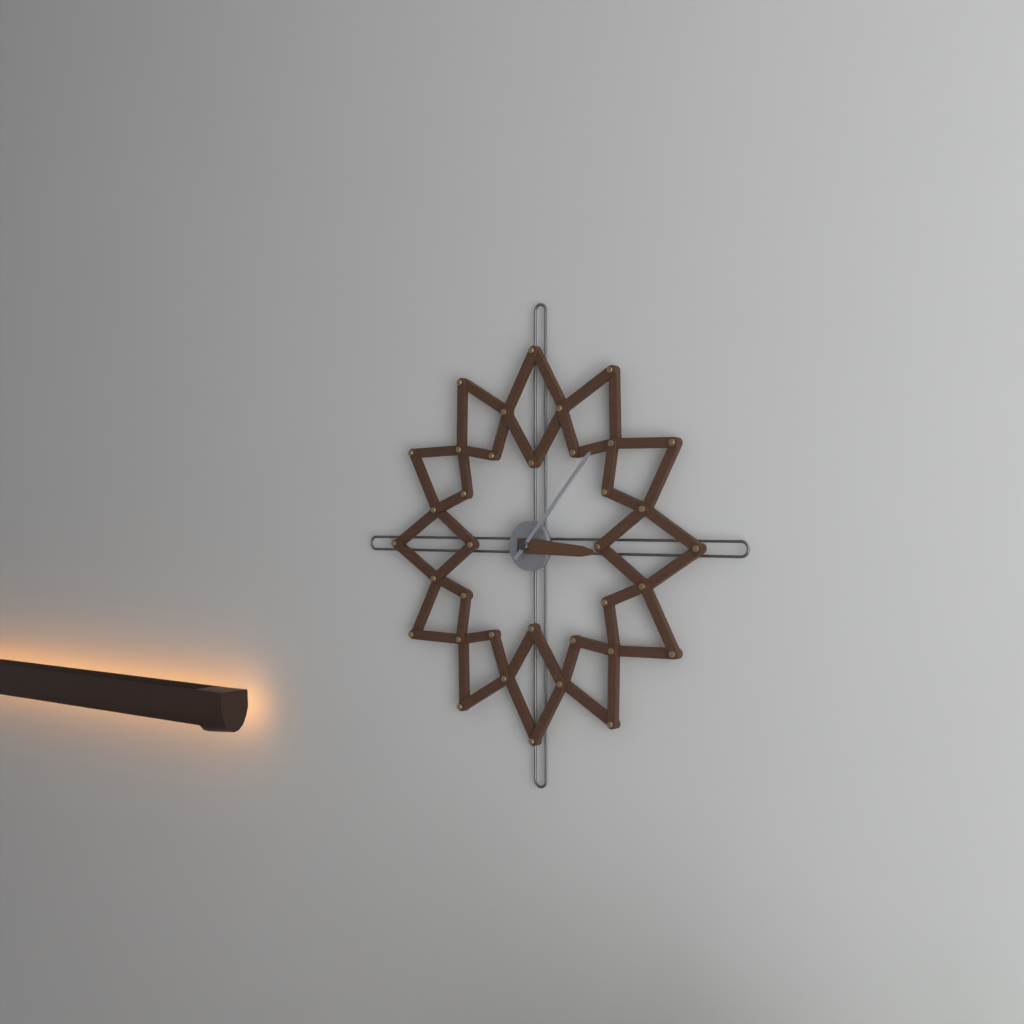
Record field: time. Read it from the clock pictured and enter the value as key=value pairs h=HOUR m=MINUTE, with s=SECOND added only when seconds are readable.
h=3 m=7
